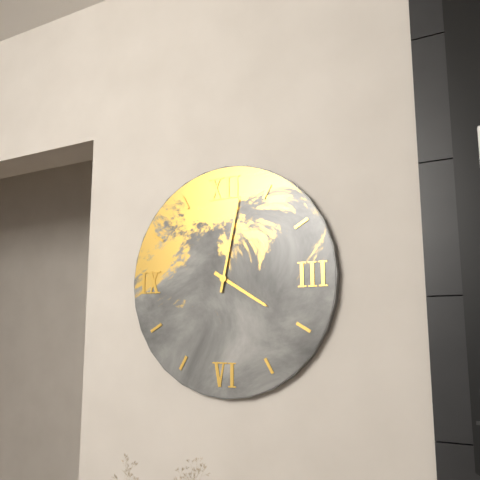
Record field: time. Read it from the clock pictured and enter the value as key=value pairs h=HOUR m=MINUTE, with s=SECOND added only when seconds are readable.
h=4 m=2
